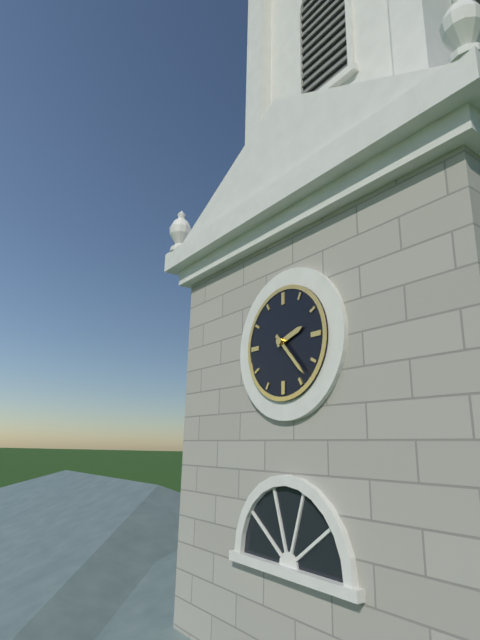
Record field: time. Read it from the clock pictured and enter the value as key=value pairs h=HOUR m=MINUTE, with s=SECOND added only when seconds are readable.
h=2 m=23
